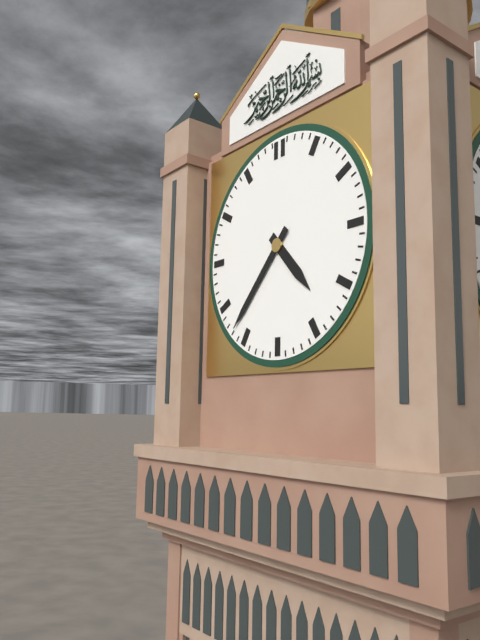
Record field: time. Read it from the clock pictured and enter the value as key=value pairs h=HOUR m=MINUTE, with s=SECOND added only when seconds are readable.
h=4 m=37
